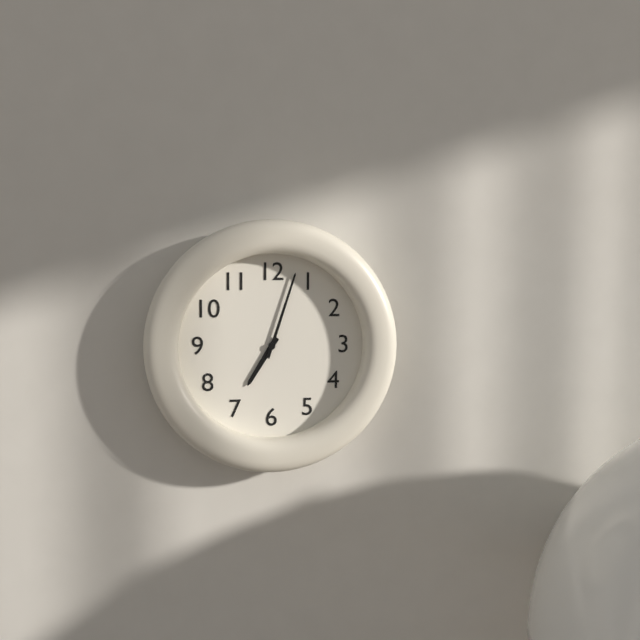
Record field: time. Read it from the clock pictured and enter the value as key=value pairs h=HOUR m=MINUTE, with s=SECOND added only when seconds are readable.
h=7 m=3
